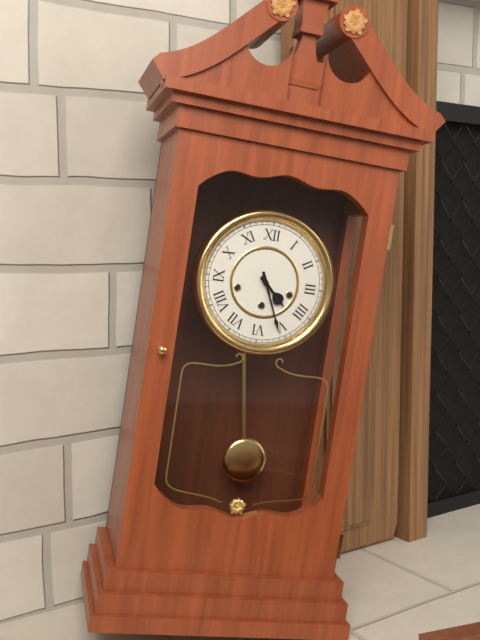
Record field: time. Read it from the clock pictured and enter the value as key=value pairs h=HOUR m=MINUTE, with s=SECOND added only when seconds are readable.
h=4 m=26
